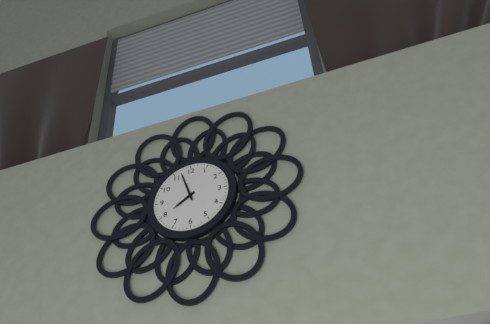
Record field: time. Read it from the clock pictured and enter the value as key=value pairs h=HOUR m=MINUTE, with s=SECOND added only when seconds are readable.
h=7 m=57
